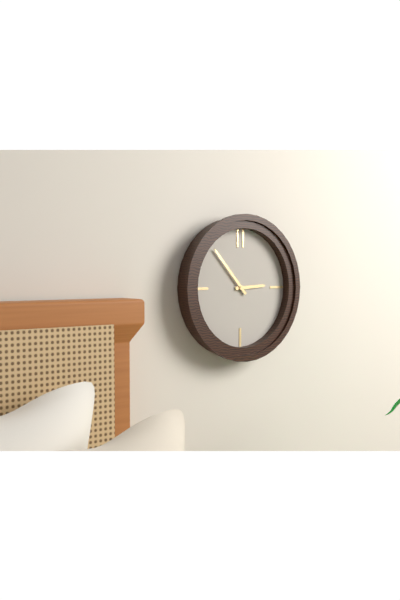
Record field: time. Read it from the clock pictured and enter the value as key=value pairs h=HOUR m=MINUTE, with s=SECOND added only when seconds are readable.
h=2 m=53
